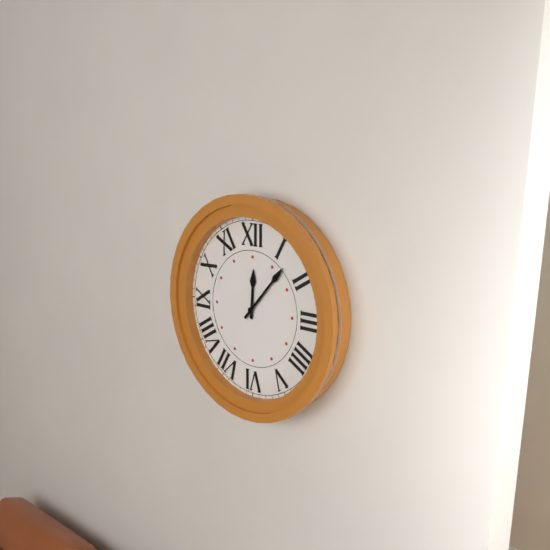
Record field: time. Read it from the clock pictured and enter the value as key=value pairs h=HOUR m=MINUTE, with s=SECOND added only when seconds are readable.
h=12 m=7
